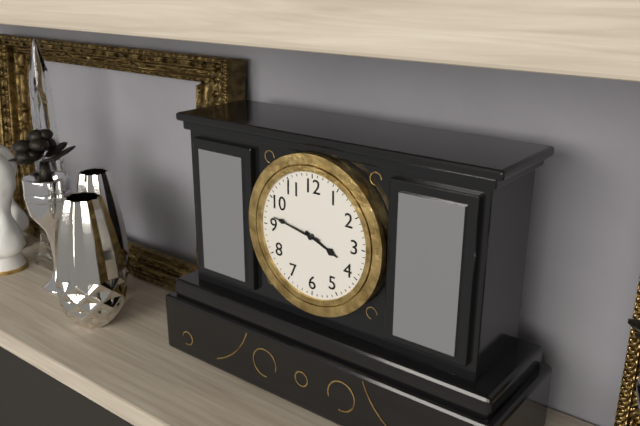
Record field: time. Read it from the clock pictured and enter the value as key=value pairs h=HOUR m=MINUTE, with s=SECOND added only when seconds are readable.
h=3 m=47
